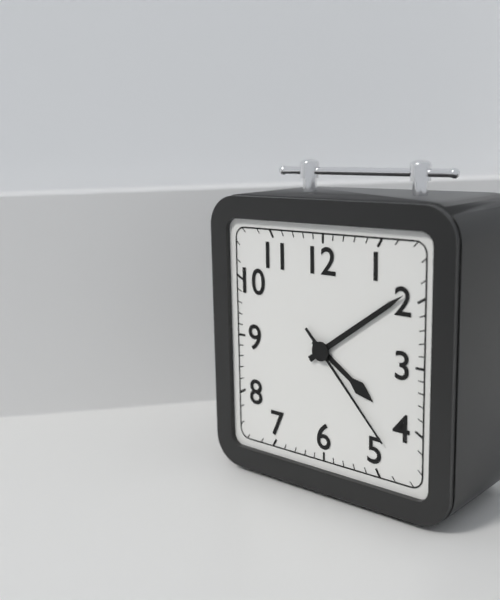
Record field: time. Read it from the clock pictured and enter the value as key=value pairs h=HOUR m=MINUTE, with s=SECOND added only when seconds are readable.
h=4 m=9 s=23
